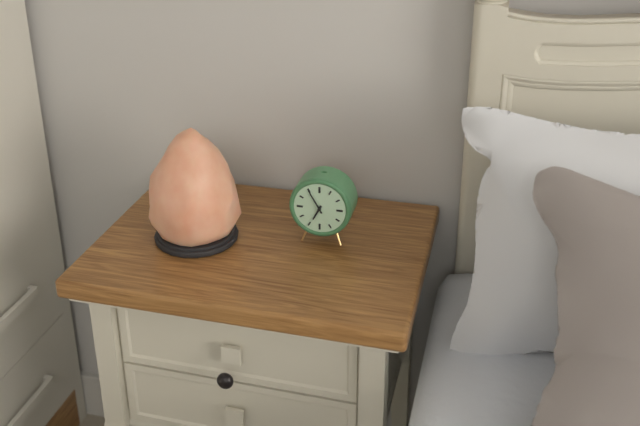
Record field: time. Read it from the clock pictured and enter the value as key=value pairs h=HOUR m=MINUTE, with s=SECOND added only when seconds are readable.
h=6 m=55
